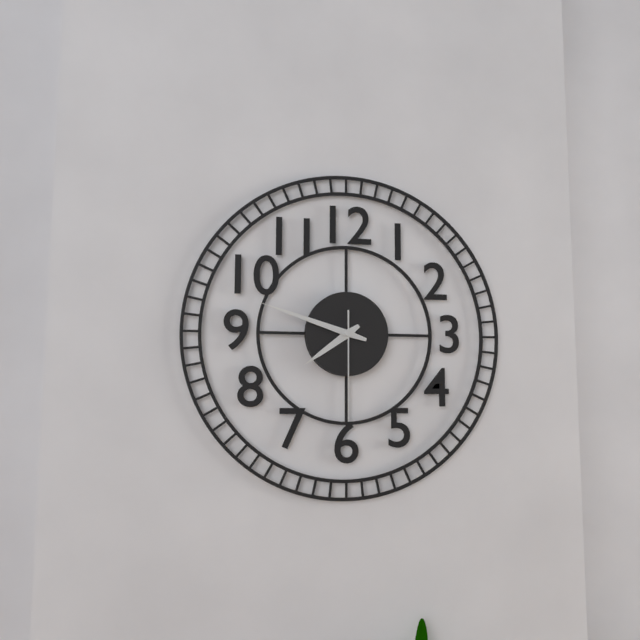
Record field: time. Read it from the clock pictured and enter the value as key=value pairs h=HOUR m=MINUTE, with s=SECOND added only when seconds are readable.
h=7 m=48 s=30
